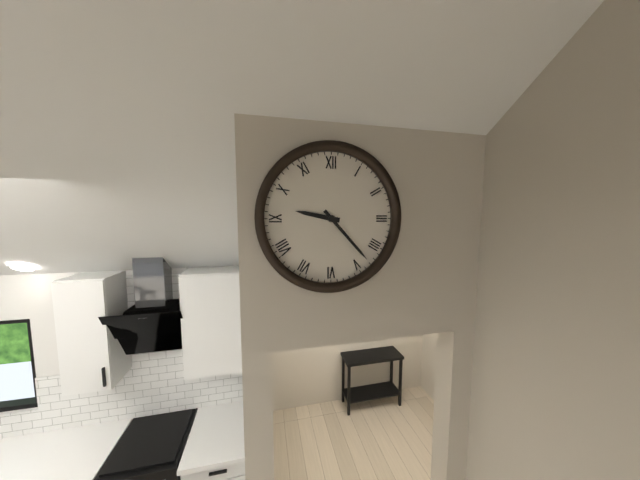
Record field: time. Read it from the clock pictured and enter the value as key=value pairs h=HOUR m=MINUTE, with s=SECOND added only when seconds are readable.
h=9 m=23
